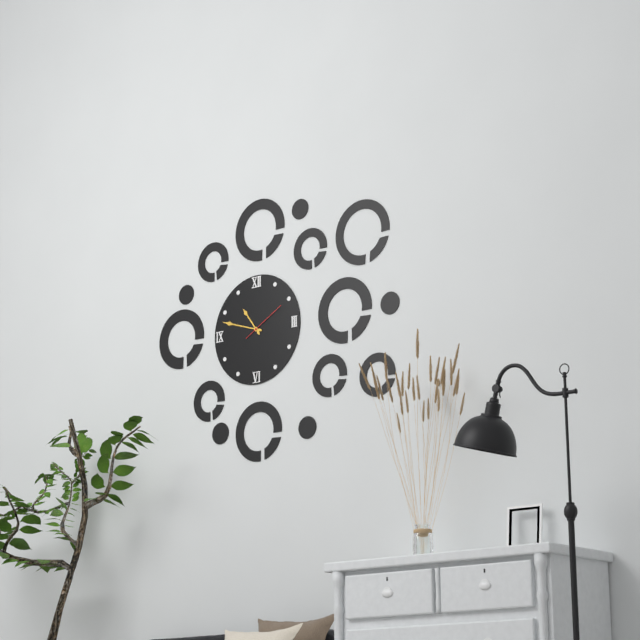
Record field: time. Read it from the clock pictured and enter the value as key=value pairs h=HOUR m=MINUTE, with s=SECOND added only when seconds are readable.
h=10 m=48
